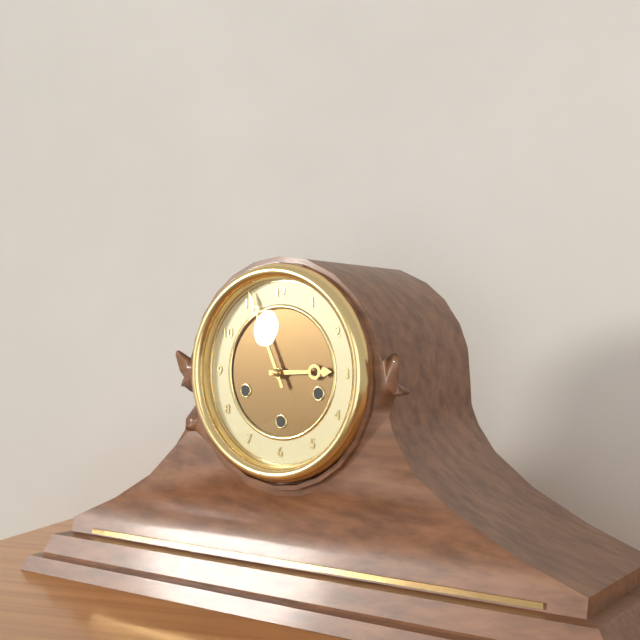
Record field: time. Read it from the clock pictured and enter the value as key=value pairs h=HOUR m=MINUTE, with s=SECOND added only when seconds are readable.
h=2 m=56
